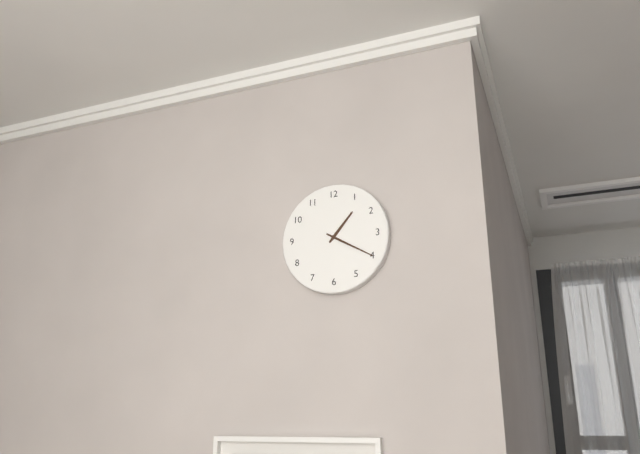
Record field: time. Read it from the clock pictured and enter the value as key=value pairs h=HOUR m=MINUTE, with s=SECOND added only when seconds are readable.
h=1 m=20
